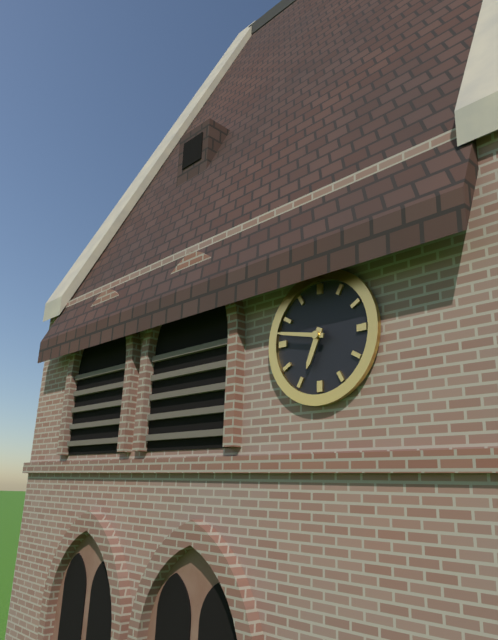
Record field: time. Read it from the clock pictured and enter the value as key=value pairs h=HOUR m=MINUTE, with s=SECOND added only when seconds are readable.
h=6 m=47
